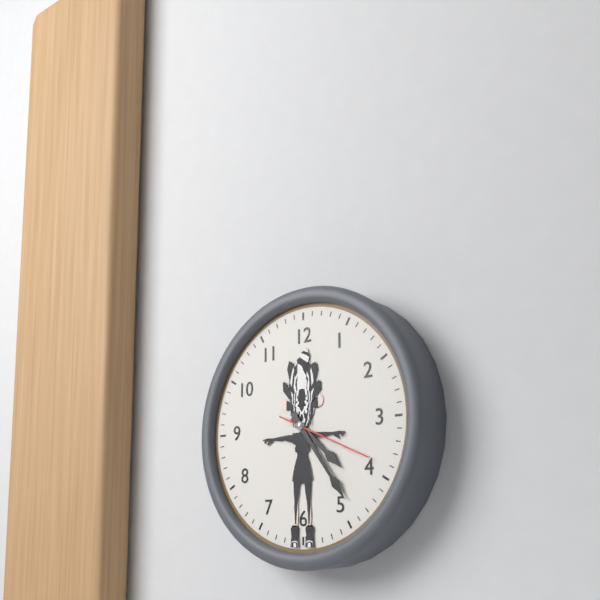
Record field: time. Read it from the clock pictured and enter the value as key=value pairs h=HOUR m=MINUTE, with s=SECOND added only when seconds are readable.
h=4 m=24 s=19
